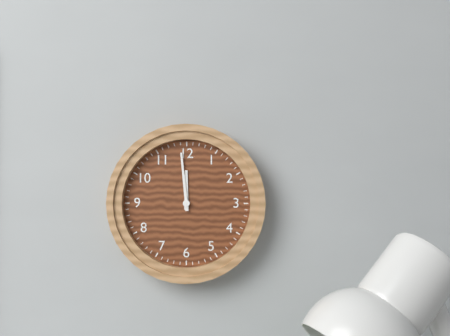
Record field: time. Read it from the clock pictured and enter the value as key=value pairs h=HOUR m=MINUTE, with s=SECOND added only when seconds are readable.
h=11 m=59
